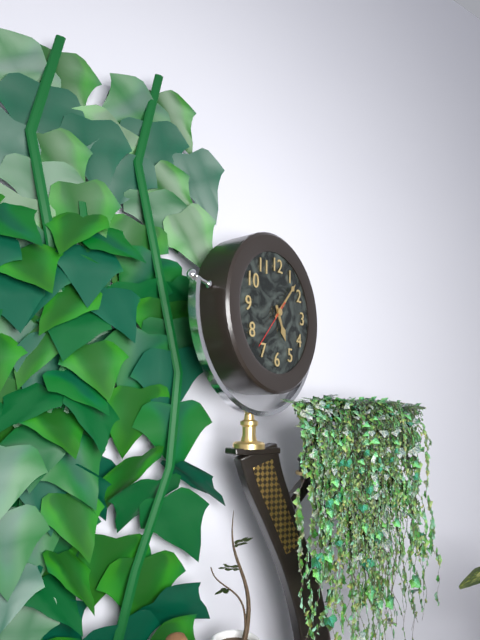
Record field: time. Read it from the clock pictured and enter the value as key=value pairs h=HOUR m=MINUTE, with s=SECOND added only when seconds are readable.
h=5 m=7 s=37
